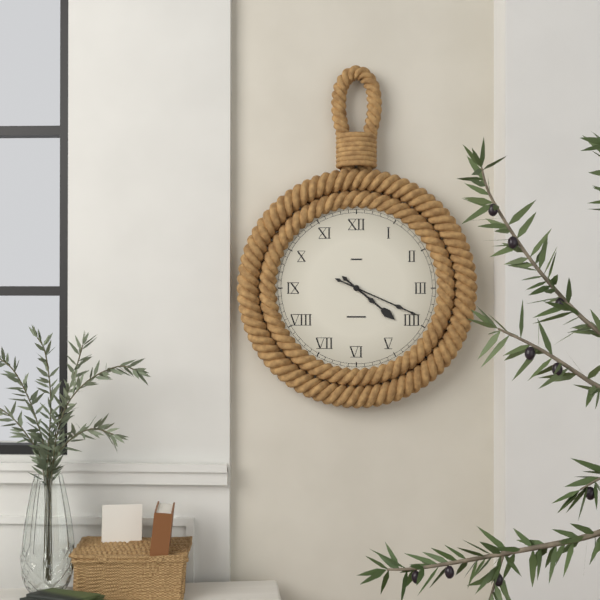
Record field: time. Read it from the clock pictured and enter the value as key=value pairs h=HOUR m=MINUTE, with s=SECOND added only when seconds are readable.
h=4 m=19
